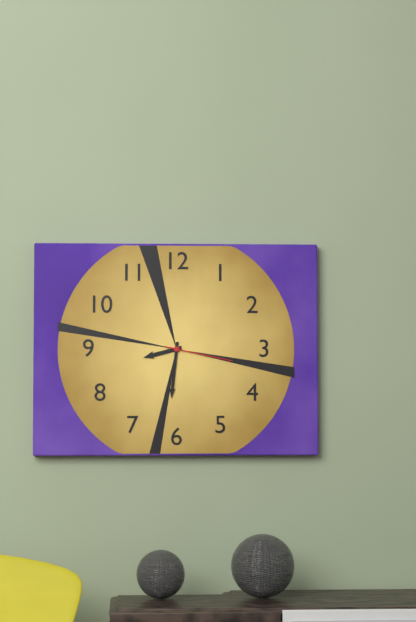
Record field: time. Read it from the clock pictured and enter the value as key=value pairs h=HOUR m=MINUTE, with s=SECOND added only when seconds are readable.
h=8 m=31 s=17
